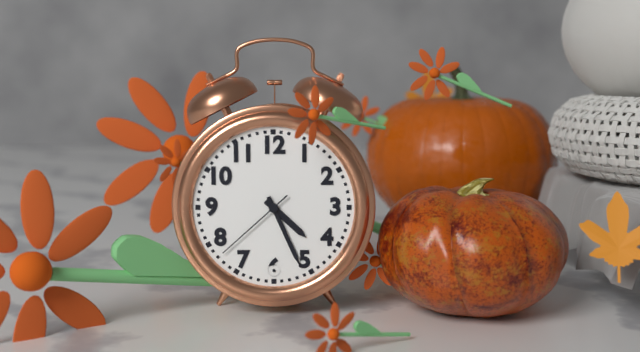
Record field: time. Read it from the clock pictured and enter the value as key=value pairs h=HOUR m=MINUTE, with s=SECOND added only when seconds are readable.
h=4 m=26 s=38
